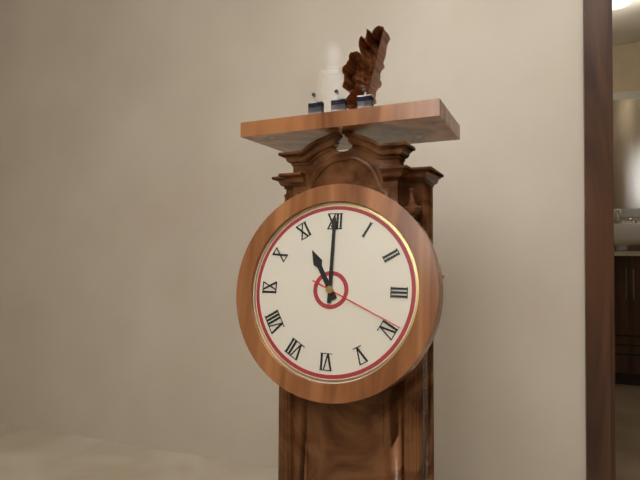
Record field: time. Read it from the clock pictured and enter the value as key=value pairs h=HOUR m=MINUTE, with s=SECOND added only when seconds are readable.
h=11 m=0 s=19
